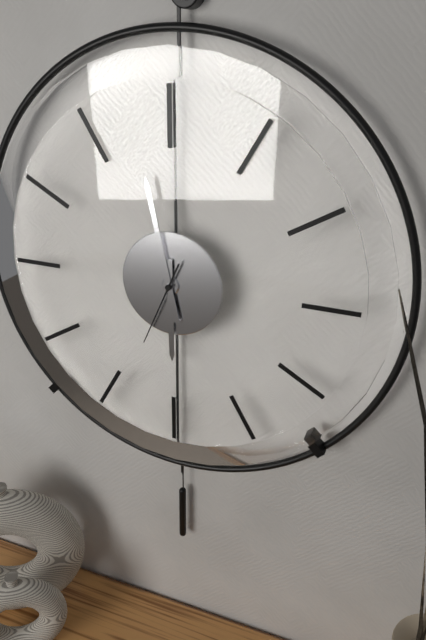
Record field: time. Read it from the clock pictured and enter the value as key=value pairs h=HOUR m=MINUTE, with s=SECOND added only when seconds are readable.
h=5 m=58 s=34
